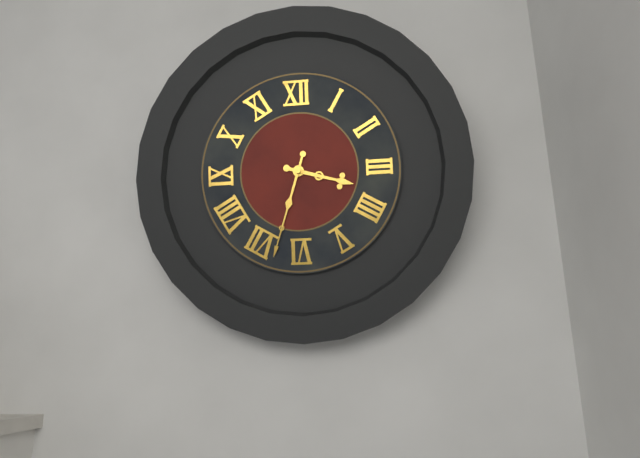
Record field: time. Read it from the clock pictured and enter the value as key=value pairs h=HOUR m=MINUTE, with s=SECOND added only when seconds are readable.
h=3 m=33
